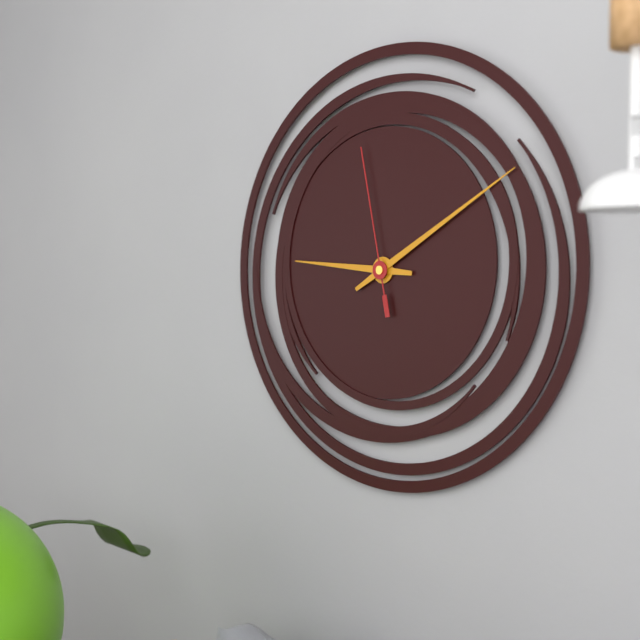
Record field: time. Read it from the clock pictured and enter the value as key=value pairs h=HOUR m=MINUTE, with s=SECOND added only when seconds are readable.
h=9 m=10 s=58
